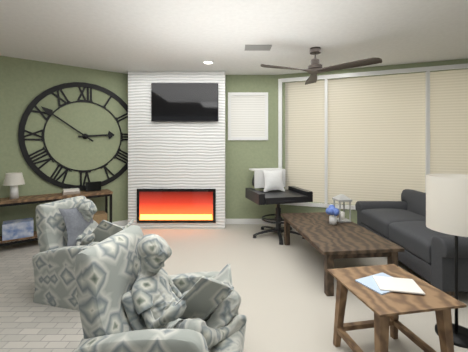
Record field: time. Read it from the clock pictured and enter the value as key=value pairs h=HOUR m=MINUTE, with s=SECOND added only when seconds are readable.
h=2 m=51
